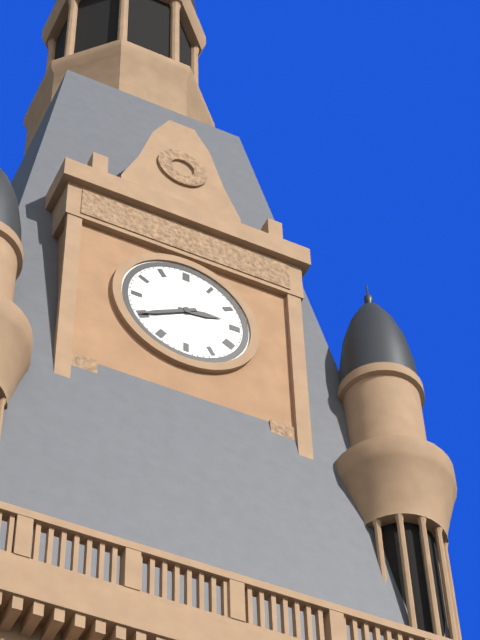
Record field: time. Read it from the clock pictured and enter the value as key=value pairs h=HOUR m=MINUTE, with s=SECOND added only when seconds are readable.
h=2 m=40
